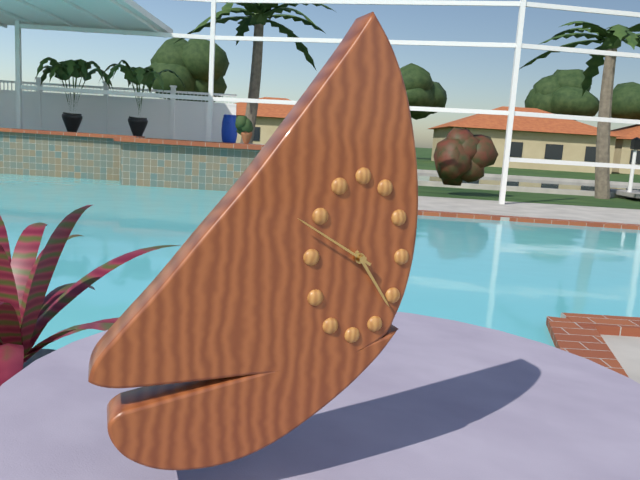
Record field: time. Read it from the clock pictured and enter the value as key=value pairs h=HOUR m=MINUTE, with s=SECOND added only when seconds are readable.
h=4 m=50
